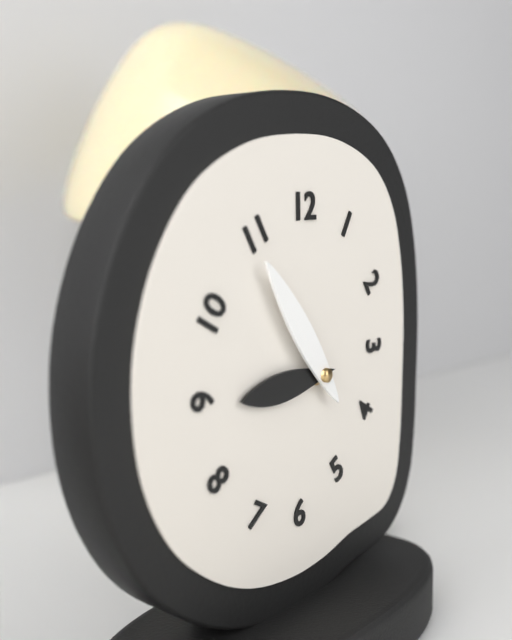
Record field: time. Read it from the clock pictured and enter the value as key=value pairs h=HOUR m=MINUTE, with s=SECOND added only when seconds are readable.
h=8 m=54
